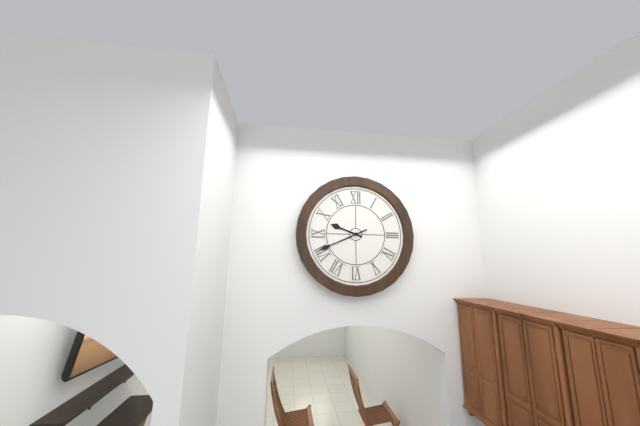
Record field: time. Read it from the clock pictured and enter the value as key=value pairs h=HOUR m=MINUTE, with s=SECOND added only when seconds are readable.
h=9 m=41
